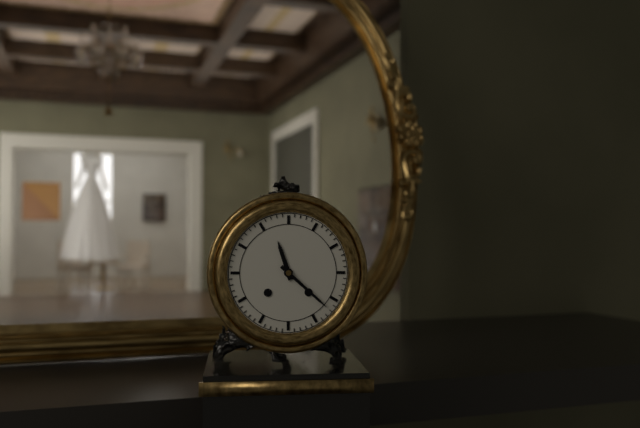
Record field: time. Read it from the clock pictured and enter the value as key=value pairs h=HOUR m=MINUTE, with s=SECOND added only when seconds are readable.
h=11 m=22
